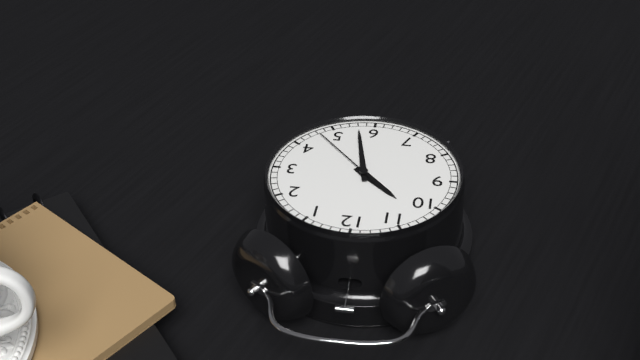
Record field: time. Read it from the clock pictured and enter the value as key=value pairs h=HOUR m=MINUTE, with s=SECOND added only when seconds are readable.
h=10 m=28 s=23
